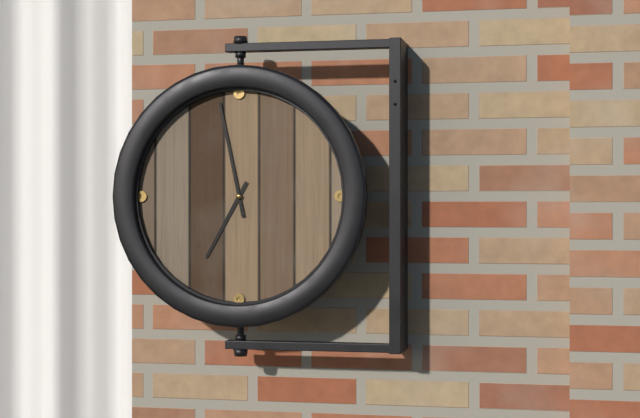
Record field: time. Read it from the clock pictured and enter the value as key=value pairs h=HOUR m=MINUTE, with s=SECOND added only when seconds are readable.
h=6 m=58
